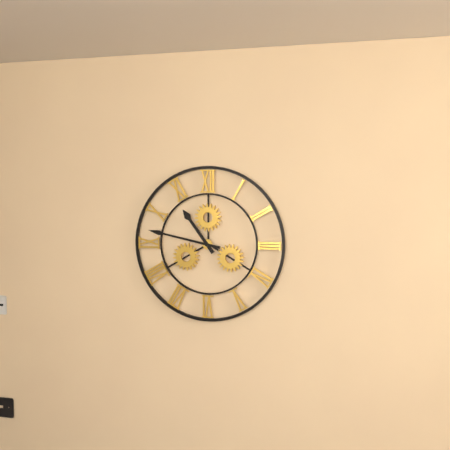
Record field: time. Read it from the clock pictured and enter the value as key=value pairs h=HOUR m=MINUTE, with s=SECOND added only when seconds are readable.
h=10 m=47
